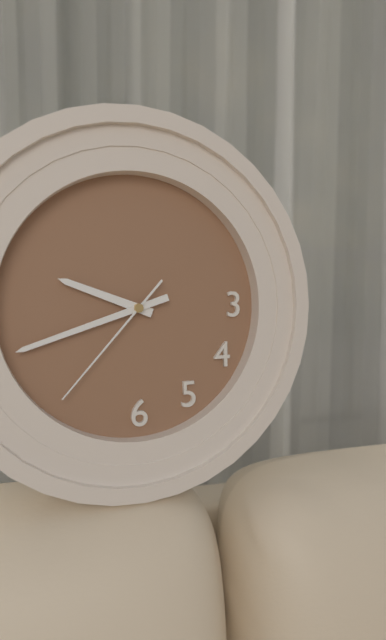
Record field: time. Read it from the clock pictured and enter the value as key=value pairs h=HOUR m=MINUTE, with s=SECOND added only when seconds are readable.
h=9 m=42 s=37
